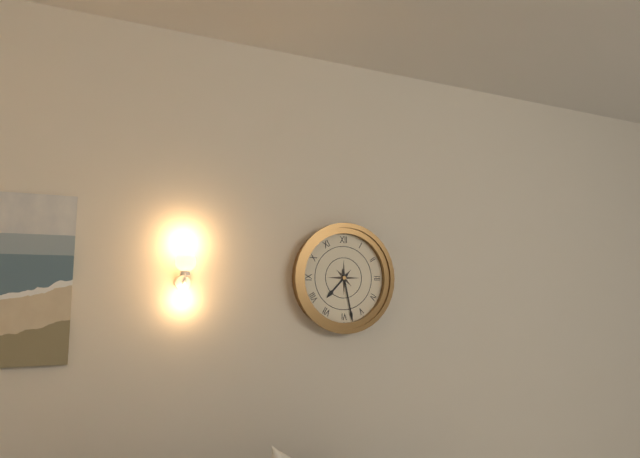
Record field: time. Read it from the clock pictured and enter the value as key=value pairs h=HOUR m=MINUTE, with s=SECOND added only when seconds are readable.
h=7 m=28
